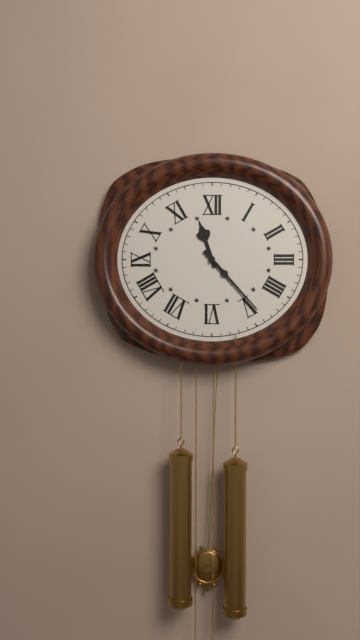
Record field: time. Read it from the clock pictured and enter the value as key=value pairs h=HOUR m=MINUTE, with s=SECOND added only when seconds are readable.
h=11 m=23
